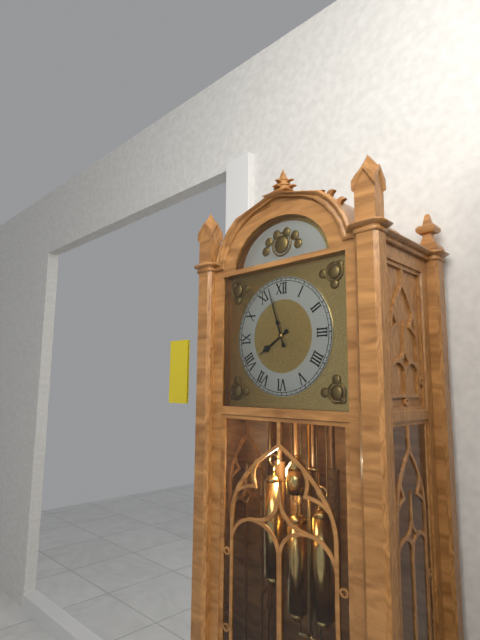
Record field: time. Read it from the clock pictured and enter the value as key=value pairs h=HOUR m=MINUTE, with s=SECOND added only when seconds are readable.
h=7 m=57
